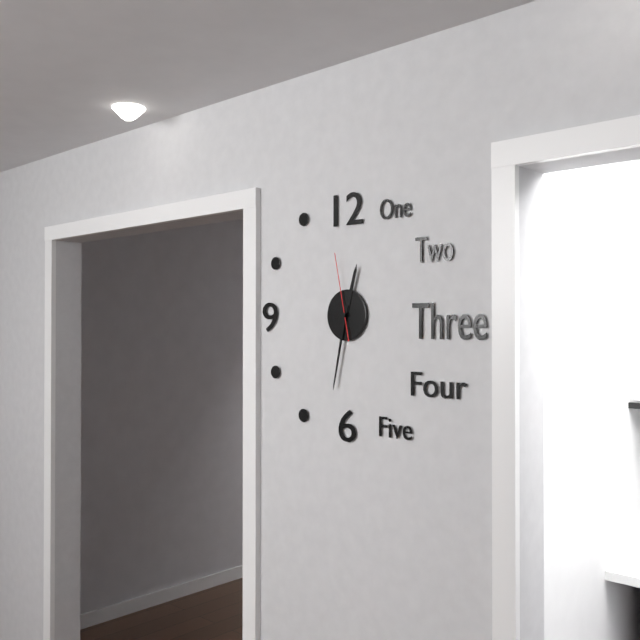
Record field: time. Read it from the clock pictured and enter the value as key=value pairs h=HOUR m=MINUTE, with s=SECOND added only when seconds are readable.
h=12 m=32 s=58
